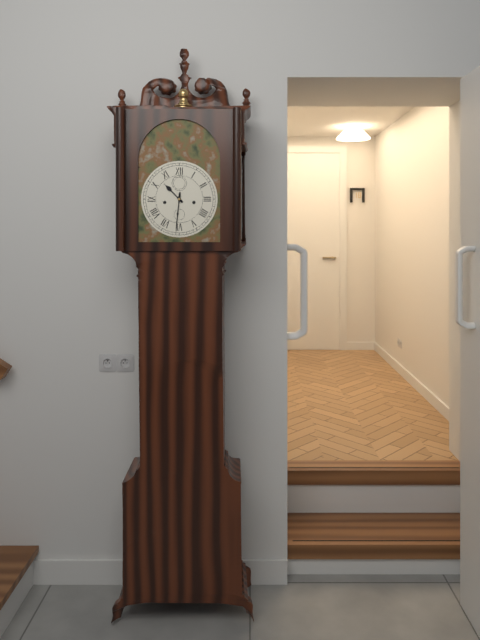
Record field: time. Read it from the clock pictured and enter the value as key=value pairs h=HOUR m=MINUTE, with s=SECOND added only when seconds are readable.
h=10 m=31
